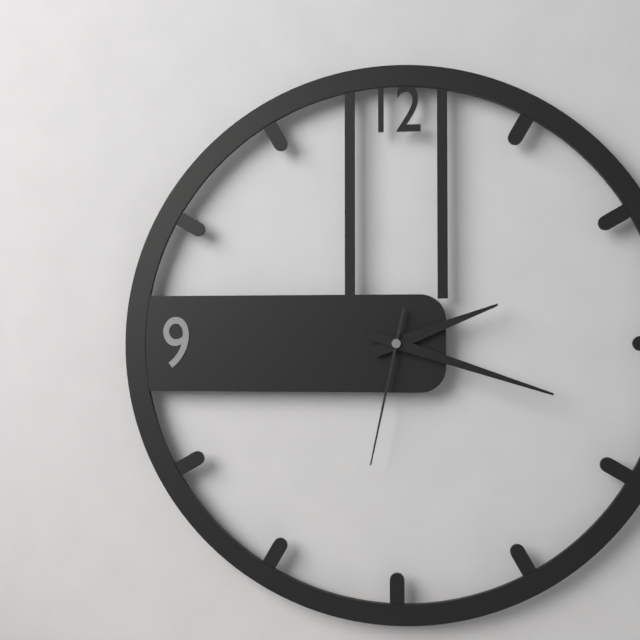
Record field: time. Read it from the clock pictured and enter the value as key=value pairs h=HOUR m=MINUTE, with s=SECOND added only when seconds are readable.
h=2 m=18 s=32
